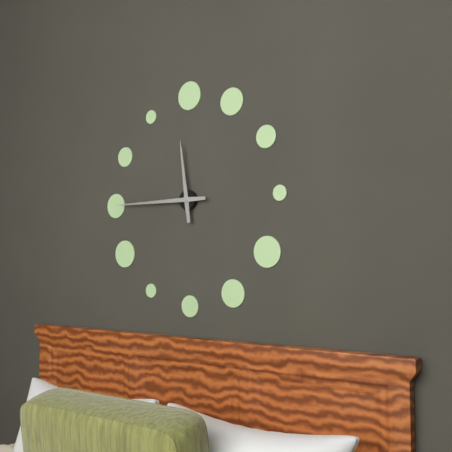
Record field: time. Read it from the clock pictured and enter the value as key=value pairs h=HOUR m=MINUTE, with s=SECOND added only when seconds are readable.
h=11 m=45
